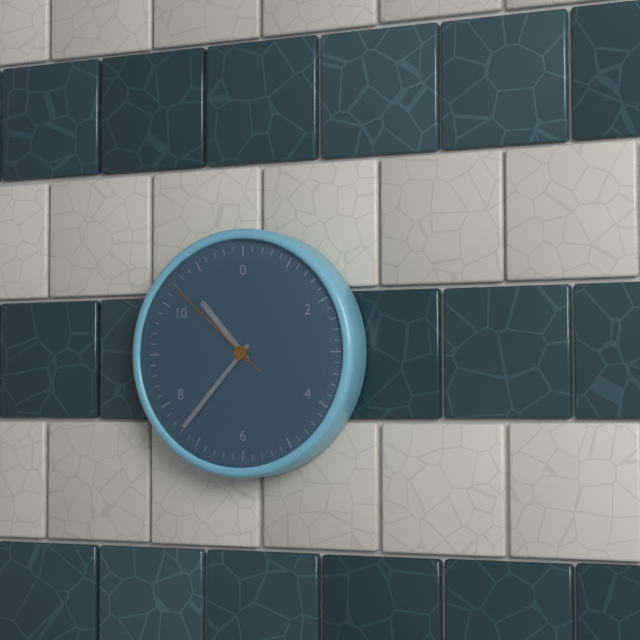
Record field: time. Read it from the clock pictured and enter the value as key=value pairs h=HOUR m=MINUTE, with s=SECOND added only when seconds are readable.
h=10 m=37 s=52
